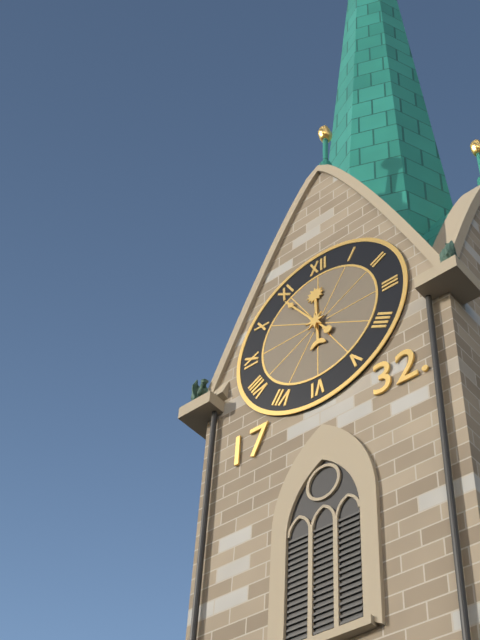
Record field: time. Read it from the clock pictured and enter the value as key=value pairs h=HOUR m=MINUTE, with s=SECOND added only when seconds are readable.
h=11 m=54
